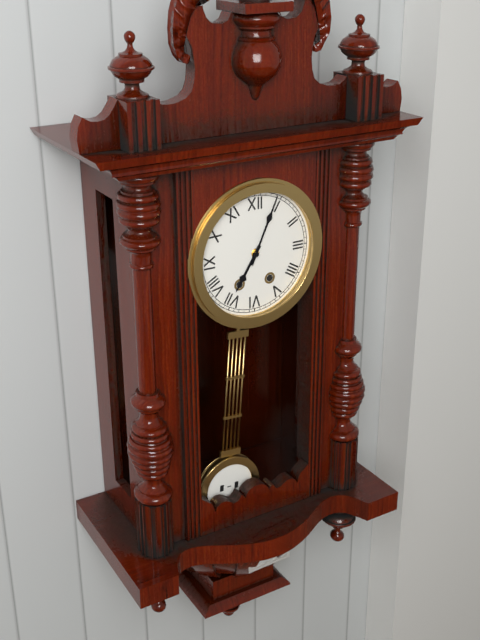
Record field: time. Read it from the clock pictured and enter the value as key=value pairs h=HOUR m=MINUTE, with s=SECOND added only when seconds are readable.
h=7 m=4
